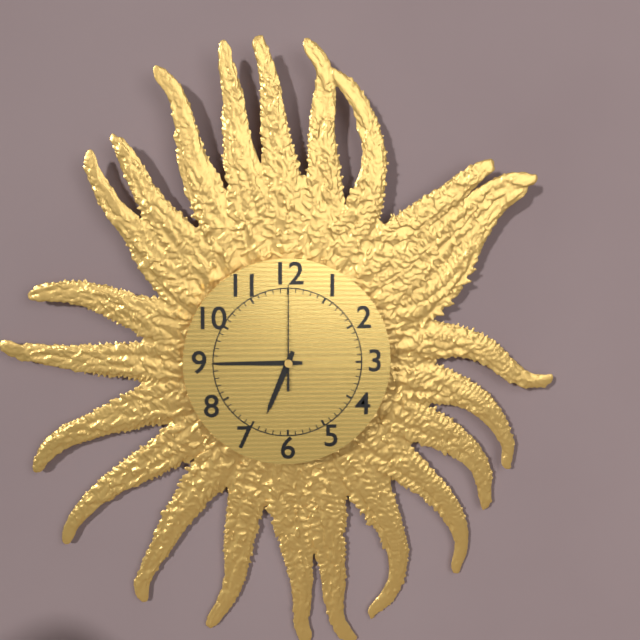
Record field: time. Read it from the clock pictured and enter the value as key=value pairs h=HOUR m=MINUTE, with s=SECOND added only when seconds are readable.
h=6 m=45 s=0
